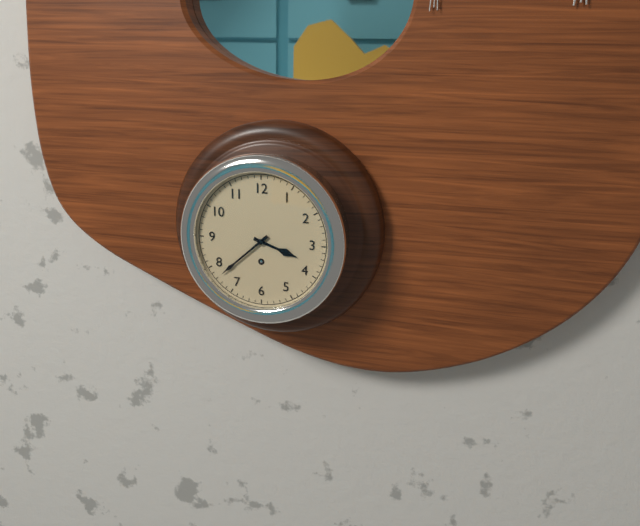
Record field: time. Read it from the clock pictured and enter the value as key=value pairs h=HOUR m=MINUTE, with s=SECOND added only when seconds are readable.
h=3 m=38
